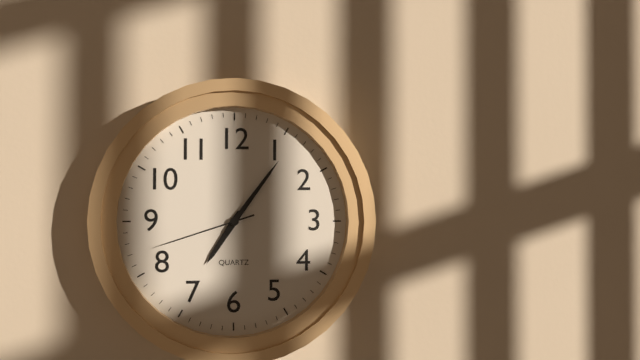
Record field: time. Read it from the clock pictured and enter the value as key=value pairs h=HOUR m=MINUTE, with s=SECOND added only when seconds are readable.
h=7 m=6 s=42
